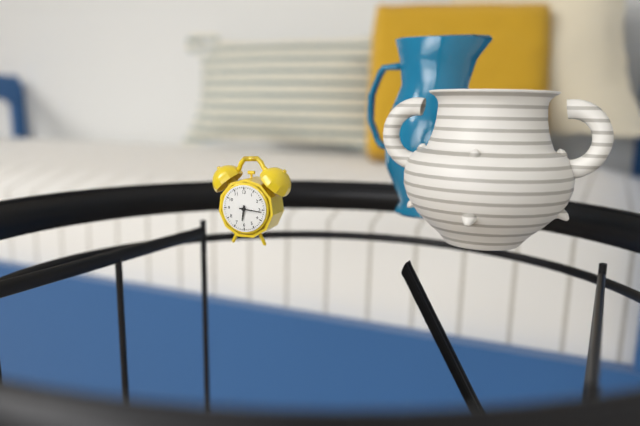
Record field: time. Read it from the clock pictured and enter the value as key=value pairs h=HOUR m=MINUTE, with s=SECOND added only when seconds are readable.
h=6 m=16
